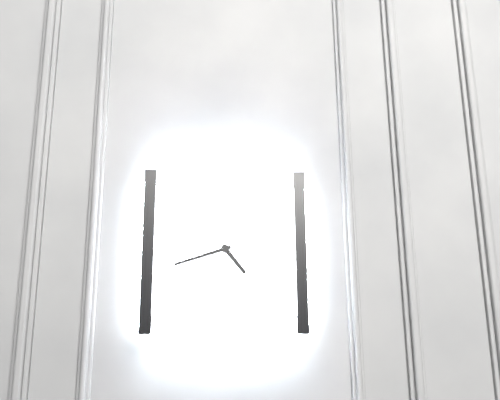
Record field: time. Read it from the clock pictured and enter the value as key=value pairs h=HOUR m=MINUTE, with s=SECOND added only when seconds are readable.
h=4 m=42
